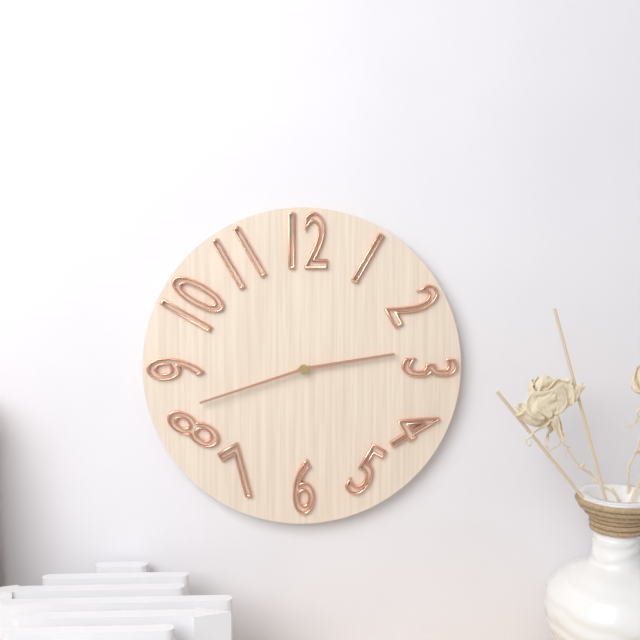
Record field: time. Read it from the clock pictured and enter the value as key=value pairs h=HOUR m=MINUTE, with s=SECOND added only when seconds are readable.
h=2 m=42
